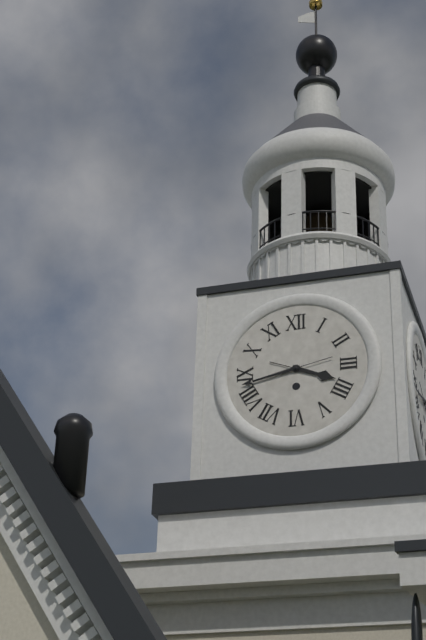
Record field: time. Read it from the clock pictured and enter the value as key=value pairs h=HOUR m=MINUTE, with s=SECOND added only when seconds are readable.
h=3 m=43
